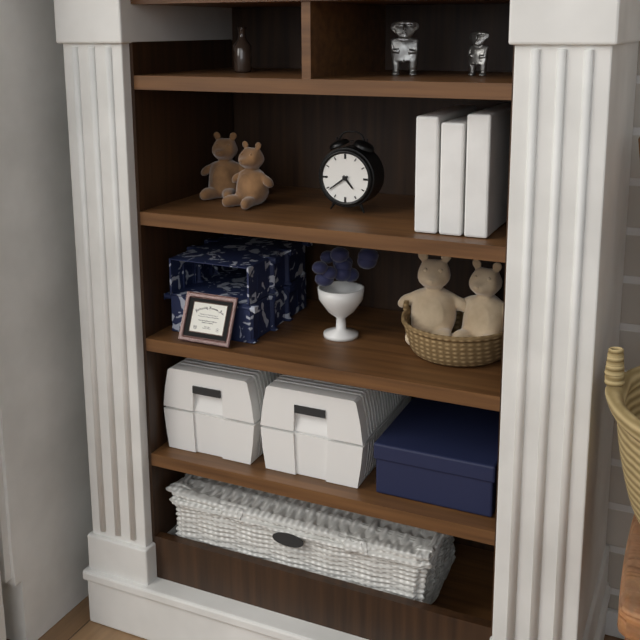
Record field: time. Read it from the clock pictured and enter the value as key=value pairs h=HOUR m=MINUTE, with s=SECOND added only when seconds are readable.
h=4 m=39
